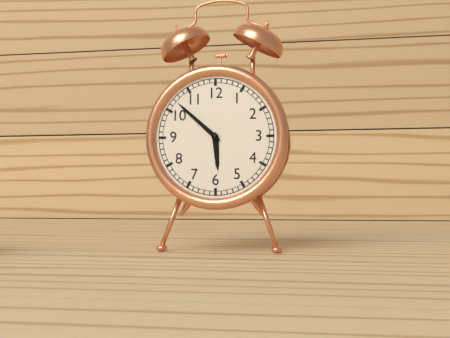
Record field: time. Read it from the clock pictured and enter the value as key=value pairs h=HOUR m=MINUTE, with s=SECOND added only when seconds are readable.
h=5 m=52
